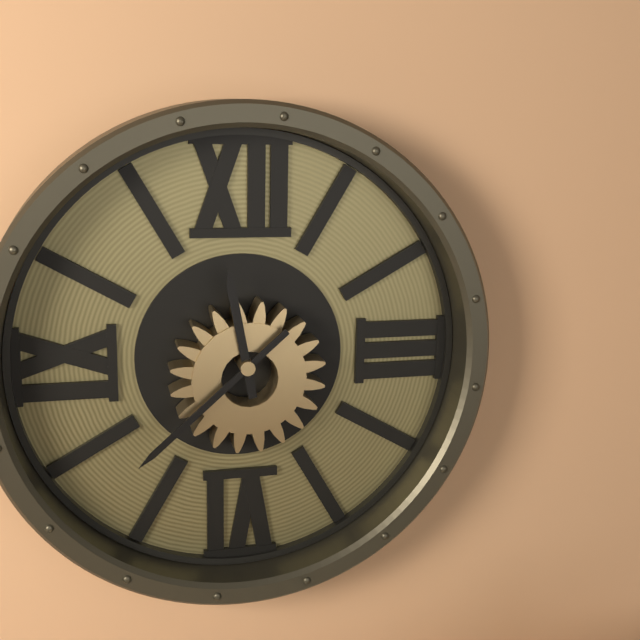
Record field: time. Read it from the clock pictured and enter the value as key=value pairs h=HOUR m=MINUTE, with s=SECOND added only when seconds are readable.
h=11 m=38
